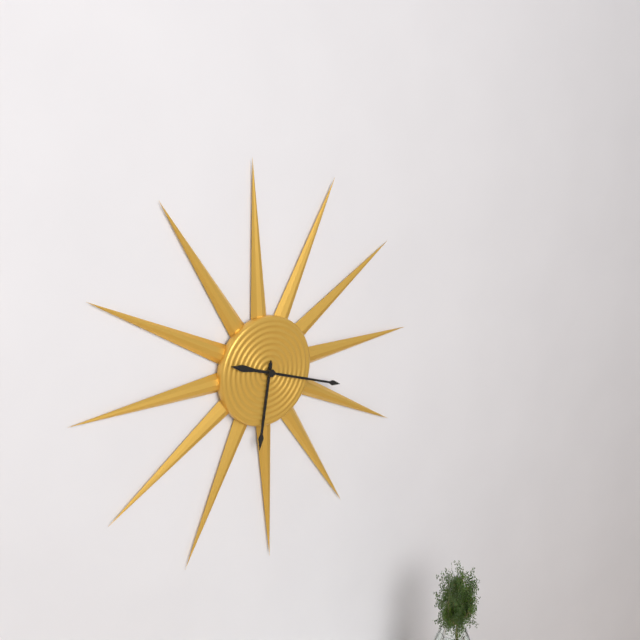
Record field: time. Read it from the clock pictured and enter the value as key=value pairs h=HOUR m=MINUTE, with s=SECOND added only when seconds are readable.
h=6 m=18
